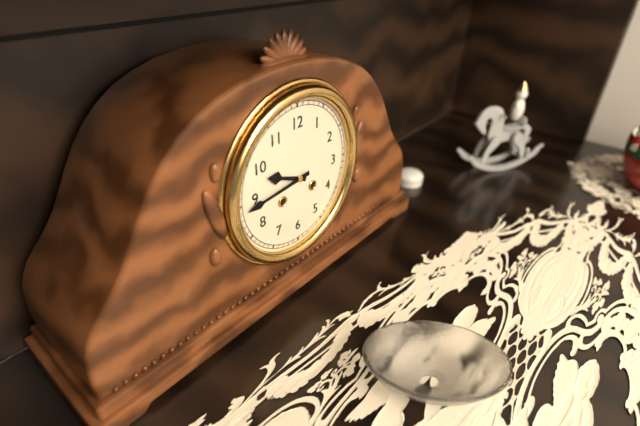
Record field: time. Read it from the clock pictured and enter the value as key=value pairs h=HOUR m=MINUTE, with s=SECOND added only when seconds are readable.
h=9 m=44
